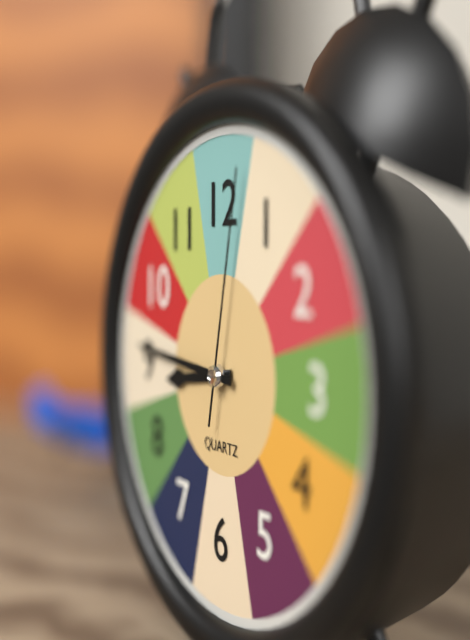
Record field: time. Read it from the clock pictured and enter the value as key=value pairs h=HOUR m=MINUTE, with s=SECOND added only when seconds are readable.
h=8 m=46 s=2
